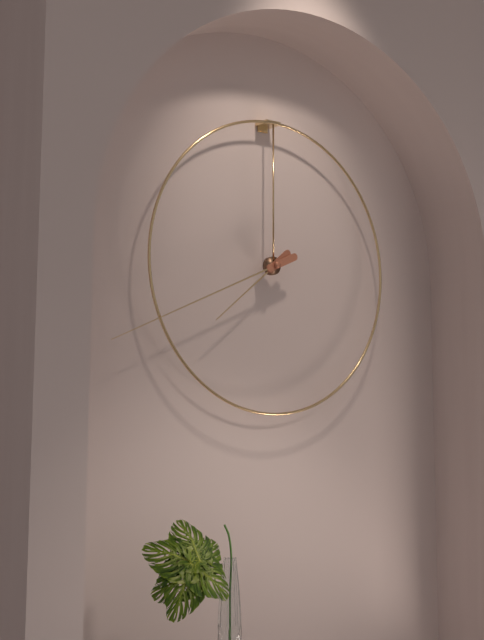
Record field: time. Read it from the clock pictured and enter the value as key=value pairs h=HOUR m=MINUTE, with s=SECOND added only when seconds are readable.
h=7 m=41
